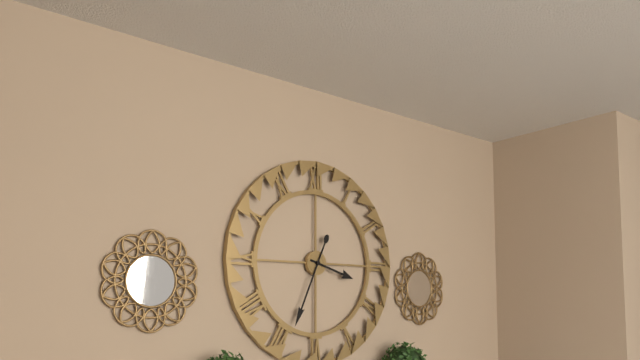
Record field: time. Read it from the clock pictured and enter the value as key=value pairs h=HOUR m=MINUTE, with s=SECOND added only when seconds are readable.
h=3 m=34
